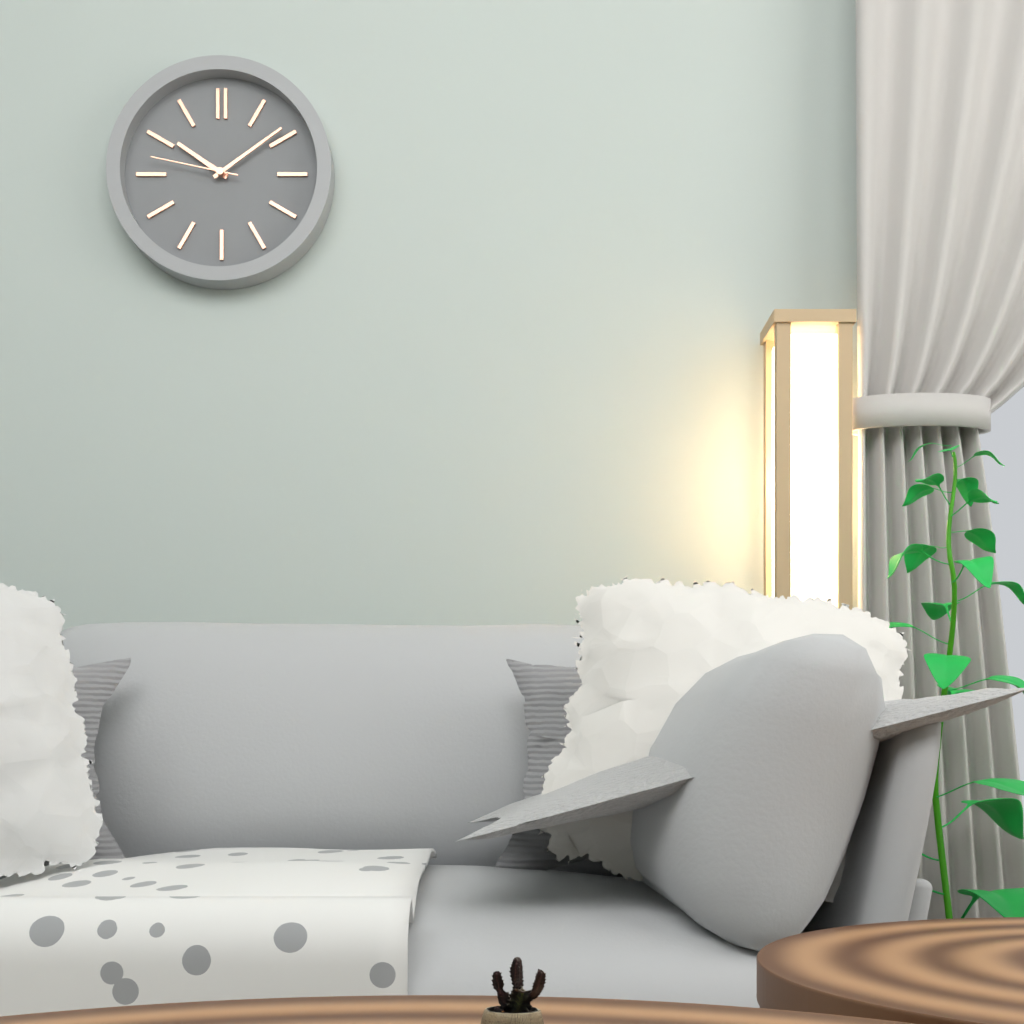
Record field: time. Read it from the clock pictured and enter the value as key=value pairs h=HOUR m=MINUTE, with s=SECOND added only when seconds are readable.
h=10 m=9 s=47
